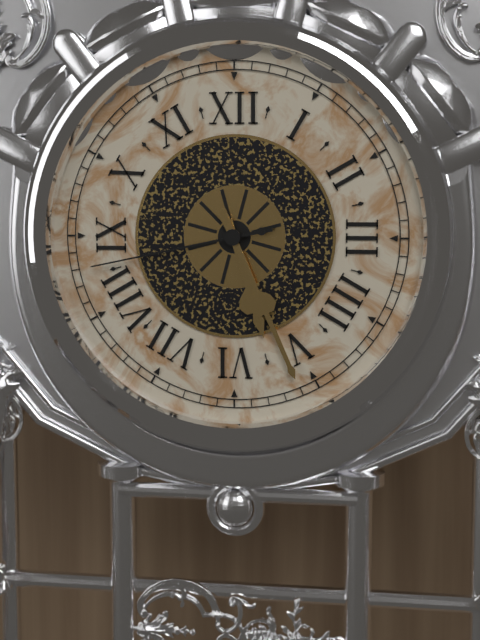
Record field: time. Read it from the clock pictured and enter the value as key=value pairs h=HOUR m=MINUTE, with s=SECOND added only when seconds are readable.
h=5 m=26 s=43
